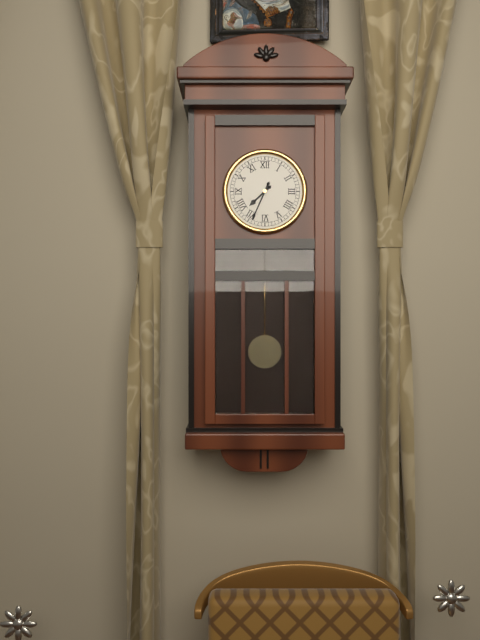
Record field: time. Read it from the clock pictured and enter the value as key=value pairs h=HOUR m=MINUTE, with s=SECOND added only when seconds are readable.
h=7 m=34
